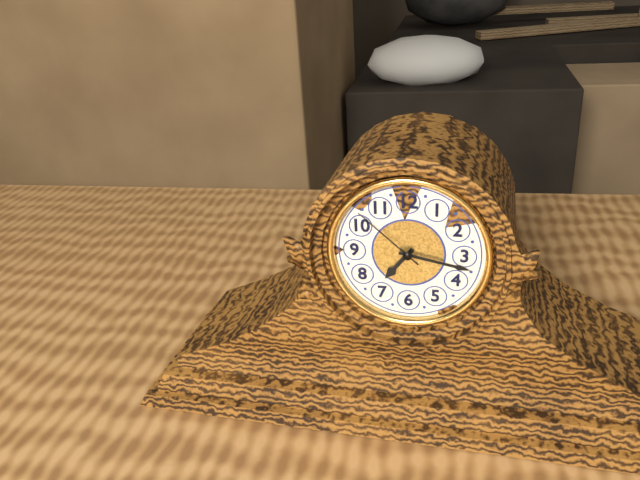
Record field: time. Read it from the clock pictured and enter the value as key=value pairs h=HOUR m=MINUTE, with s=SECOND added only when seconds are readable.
h=7 m=17 s=52
